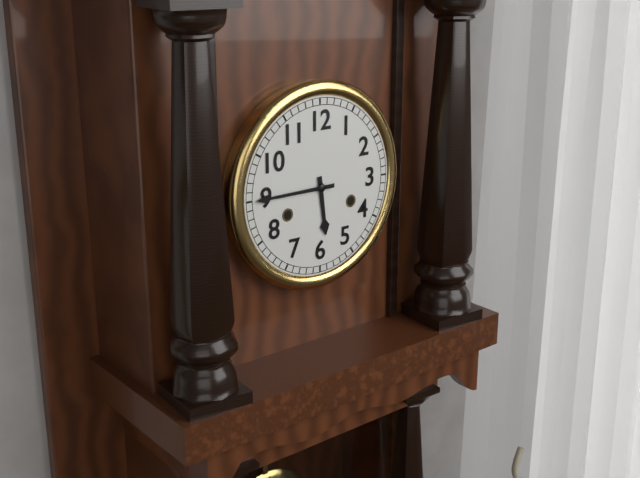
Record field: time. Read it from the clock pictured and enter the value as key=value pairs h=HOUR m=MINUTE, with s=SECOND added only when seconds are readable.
h=5 m=45
